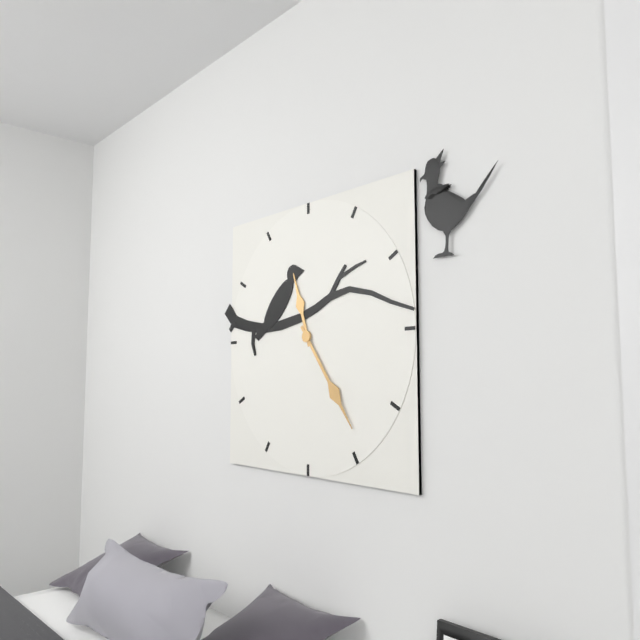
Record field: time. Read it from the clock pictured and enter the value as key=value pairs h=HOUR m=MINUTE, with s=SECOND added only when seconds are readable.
h=11 m=24
